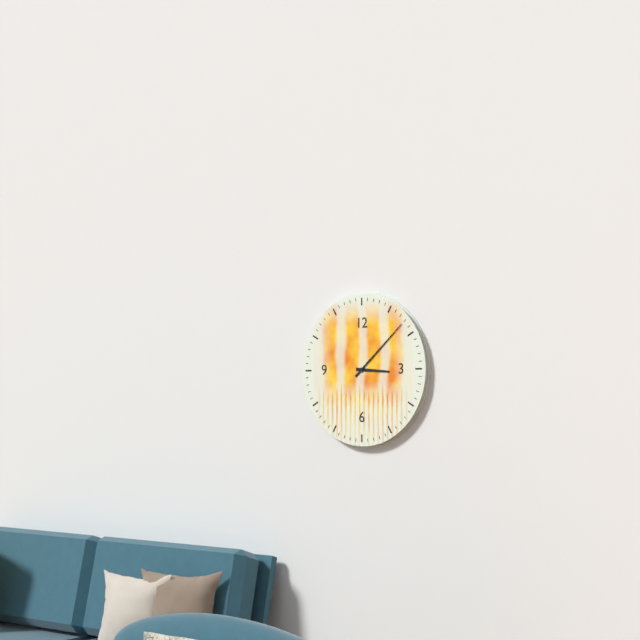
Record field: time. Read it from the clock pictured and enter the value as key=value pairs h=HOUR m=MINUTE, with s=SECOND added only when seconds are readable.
h=3 m=8
